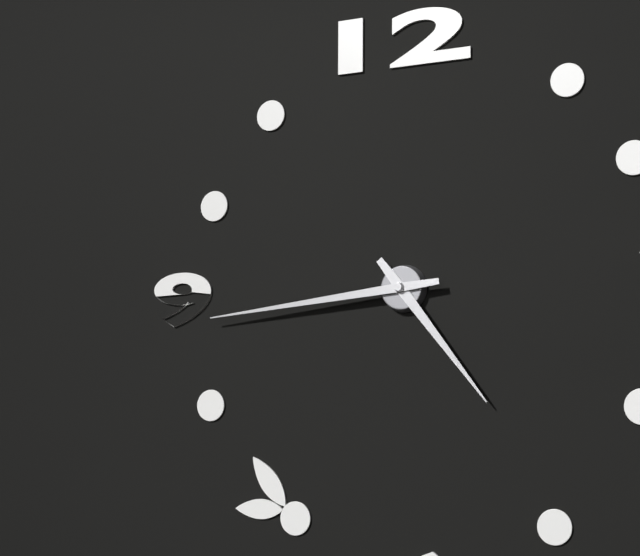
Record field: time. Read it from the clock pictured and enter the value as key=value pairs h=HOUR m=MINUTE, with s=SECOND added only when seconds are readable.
h=4 m=44
